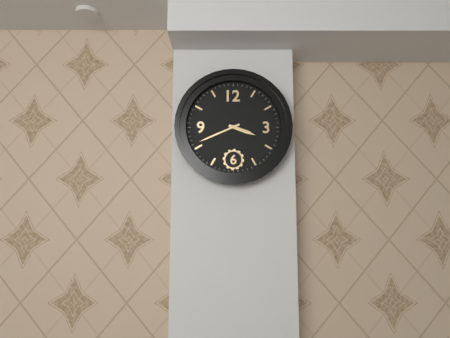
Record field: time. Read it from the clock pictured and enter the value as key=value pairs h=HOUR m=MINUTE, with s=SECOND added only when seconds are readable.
h=3 m=41
